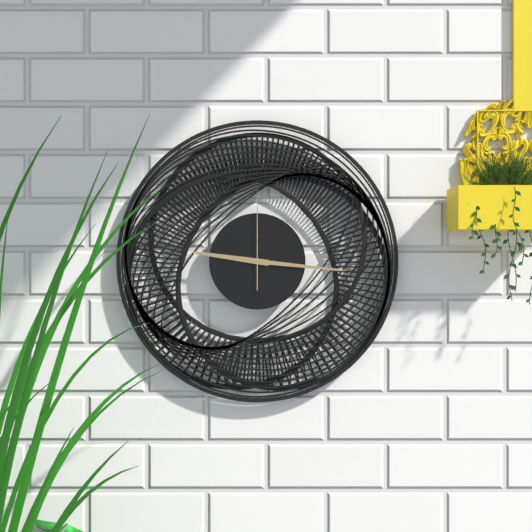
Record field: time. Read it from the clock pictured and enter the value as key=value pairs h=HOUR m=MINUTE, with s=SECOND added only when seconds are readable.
h=9 m=16 s=0
